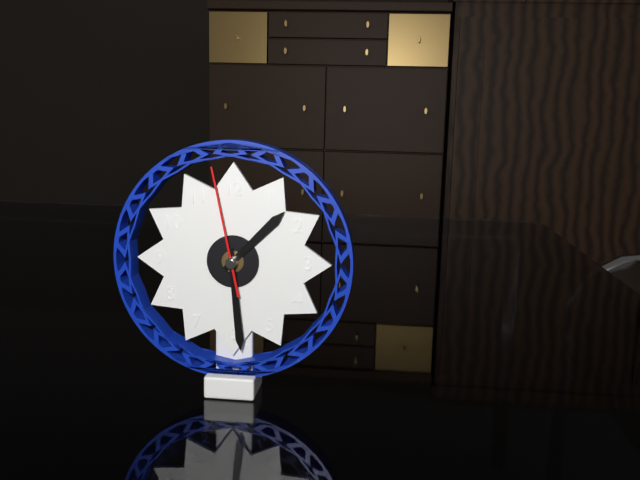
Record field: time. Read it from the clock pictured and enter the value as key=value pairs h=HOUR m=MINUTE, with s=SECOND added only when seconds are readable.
h=1 m=29 s=58
